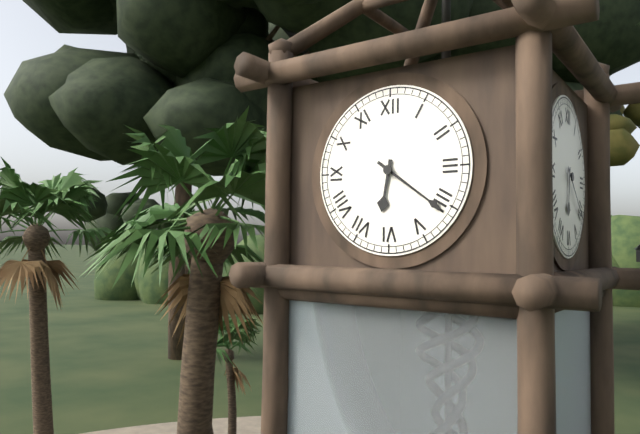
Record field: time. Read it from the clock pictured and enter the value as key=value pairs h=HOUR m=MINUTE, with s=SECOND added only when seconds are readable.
h=6 m=21
